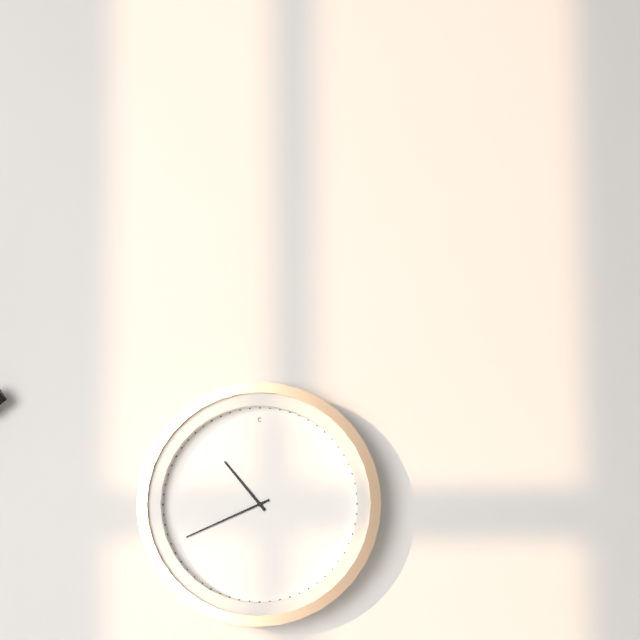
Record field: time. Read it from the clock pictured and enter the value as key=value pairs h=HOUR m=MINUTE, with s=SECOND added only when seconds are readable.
h=10 m=41
